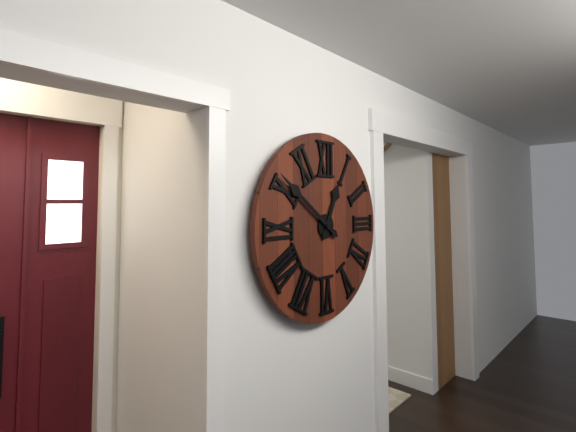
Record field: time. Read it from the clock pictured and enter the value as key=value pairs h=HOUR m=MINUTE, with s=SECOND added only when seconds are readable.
h=12 m=51
